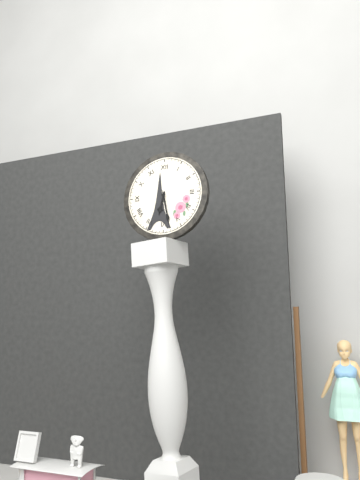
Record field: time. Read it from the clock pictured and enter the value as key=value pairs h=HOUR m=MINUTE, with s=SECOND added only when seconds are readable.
h=6 m=28
